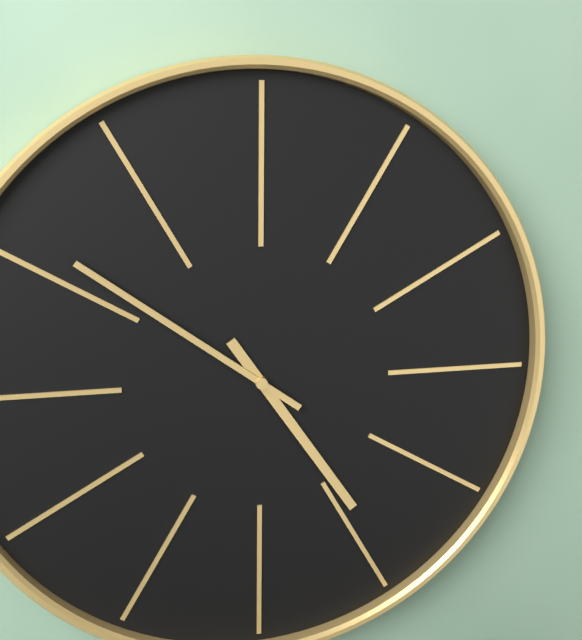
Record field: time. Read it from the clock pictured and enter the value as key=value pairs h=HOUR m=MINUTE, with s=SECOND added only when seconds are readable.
h=4 m=51
